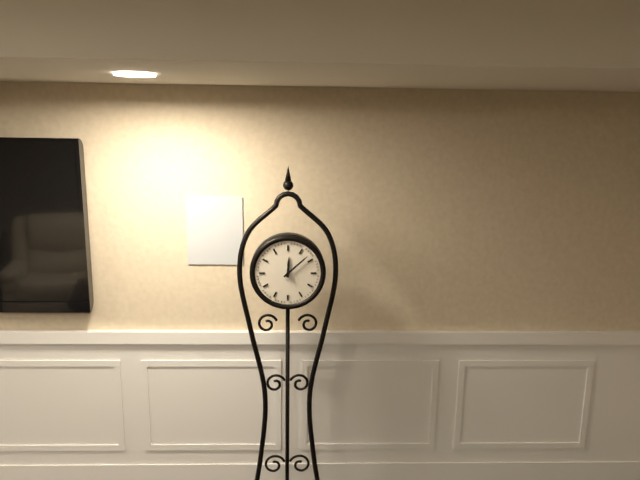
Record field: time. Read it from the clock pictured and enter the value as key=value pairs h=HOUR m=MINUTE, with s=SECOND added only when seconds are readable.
h=12 m=8
